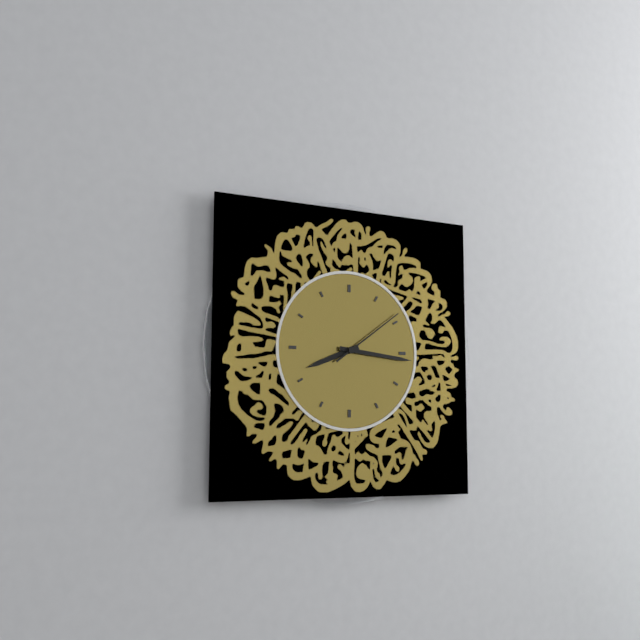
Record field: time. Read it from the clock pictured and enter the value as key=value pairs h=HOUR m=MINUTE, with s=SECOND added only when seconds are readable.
h=8 m=16 s=9
